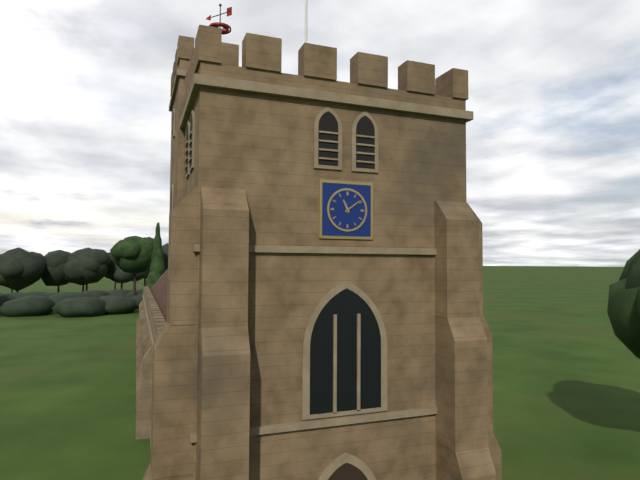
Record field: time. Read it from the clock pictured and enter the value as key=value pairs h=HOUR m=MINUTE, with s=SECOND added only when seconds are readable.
h=11 m=9
